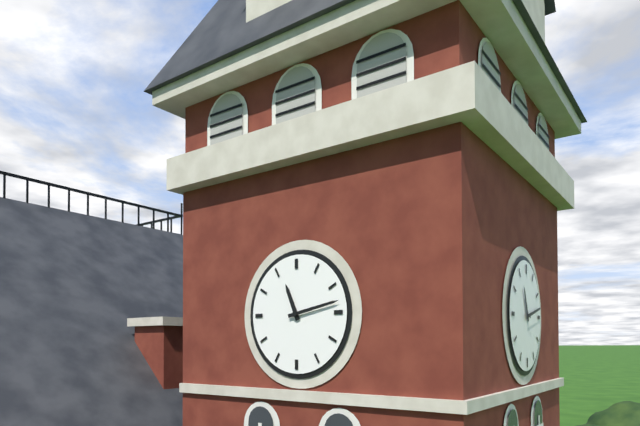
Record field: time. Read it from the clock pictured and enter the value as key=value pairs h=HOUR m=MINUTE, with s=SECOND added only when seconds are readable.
h=11 m=13
